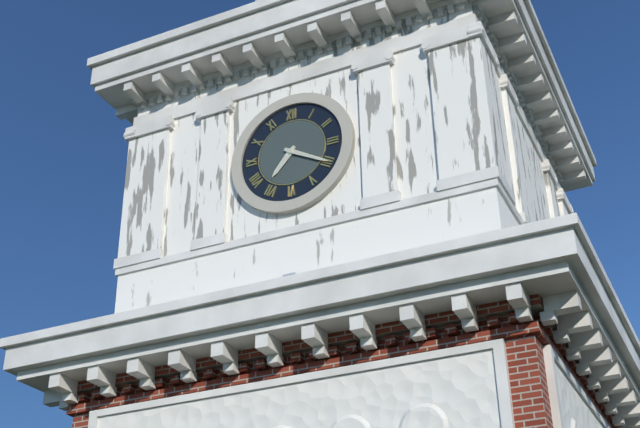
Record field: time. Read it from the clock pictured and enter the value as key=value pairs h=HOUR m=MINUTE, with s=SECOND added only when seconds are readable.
h=7 m=20
